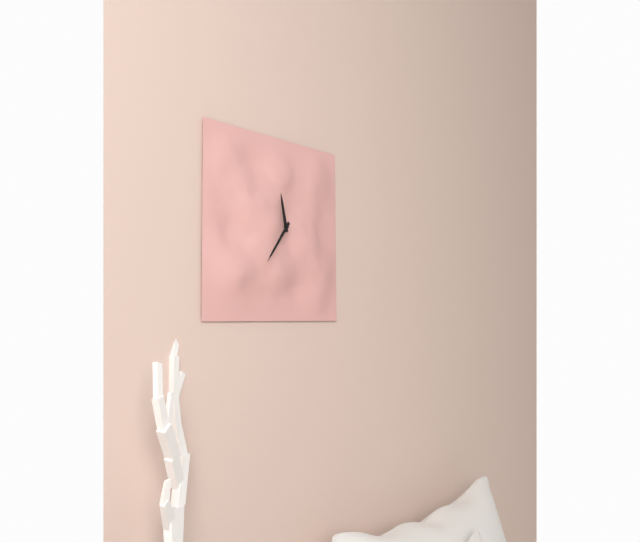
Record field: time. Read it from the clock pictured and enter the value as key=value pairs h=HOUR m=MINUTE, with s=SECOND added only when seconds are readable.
h=11 m=36
